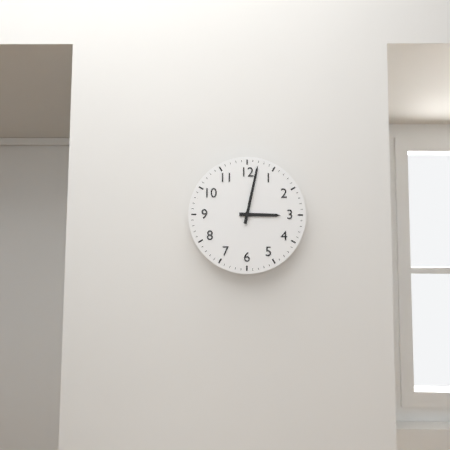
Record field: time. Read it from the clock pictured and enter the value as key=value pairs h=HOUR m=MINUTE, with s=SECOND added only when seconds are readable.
h=3 m=2
